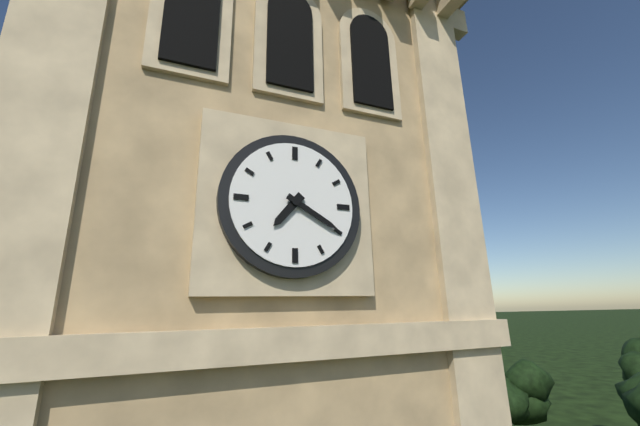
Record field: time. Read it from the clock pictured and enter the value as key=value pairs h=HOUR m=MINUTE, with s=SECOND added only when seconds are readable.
h=7 m=20
